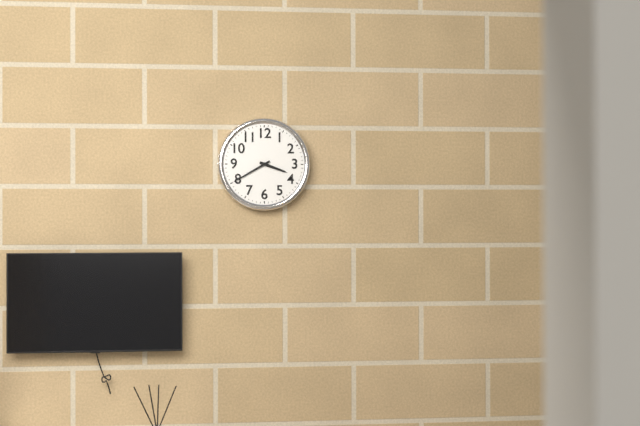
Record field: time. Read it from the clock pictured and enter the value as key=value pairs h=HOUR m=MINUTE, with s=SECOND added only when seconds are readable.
h=3 m=40
